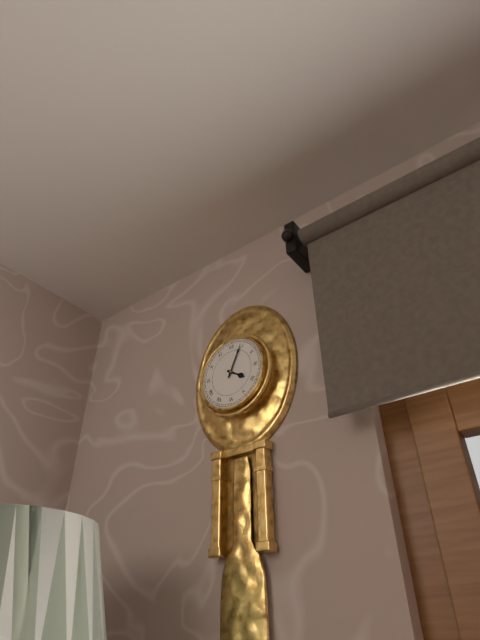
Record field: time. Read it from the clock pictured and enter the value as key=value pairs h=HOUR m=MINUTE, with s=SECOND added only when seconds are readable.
h=4 m=4
